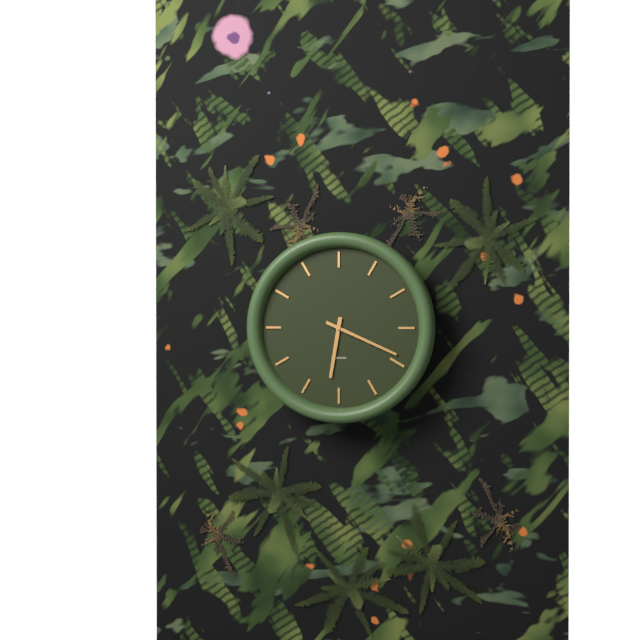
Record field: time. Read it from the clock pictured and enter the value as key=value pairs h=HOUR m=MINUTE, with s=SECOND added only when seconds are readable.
h=6 m=19
